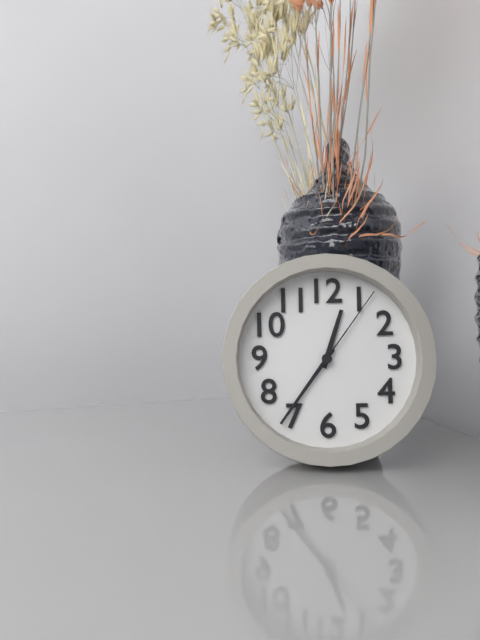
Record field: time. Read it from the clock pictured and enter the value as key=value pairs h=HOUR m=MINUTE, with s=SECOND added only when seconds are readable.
h=12 m=36 s=6
